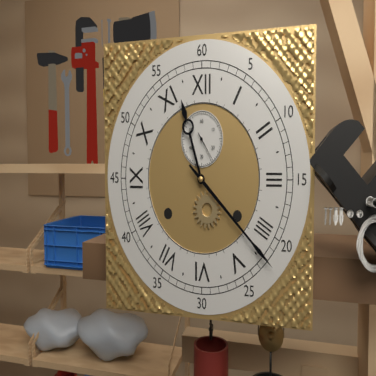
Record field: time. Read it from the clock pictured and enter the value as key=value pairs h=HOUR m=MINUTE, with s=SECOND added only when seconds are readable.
h=11 m=22
